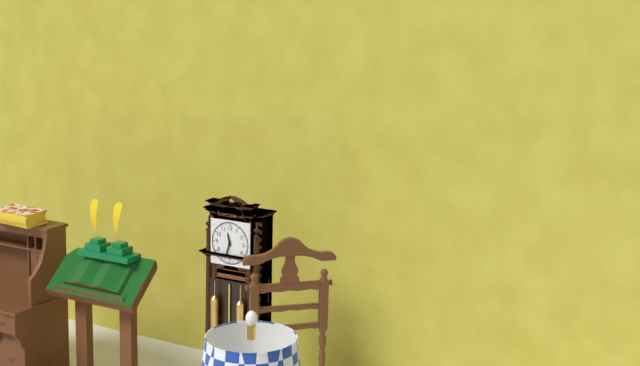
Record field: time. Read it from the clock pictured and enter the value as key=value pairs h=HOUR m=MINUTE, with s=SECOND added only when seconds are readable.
h=11 m=33
